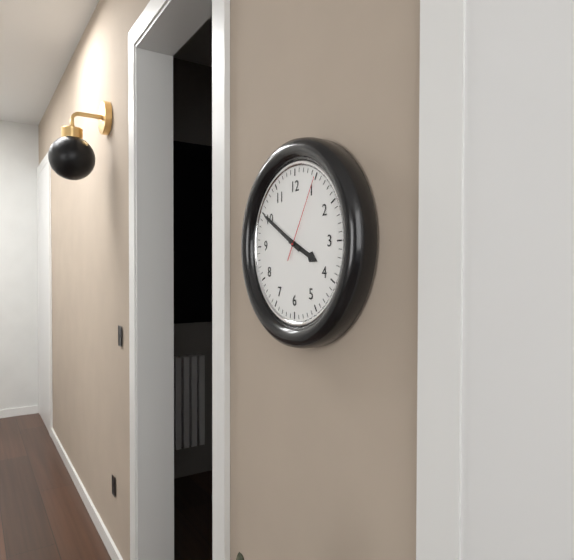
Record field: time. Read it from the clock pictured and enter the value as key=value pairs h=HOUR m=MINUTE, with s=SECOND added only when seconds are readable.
h=3 m=50 s=5
